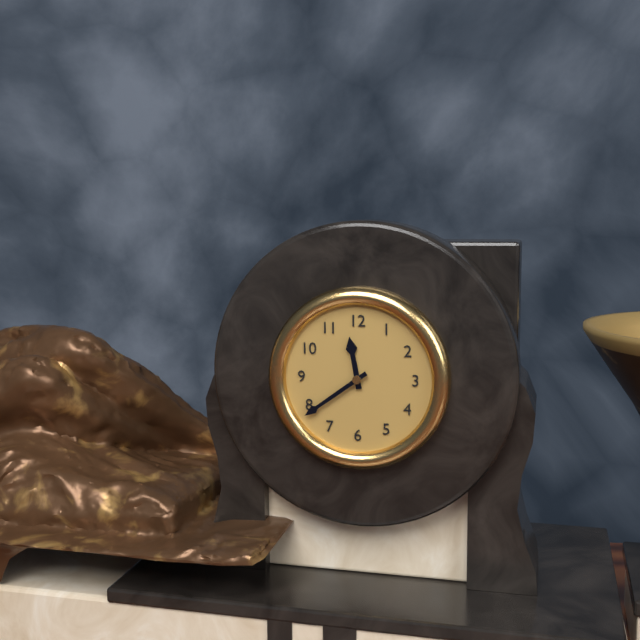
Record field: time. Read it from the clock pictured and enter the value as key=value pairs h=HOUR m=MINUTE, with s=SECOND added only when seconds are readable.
h=11 m=39
